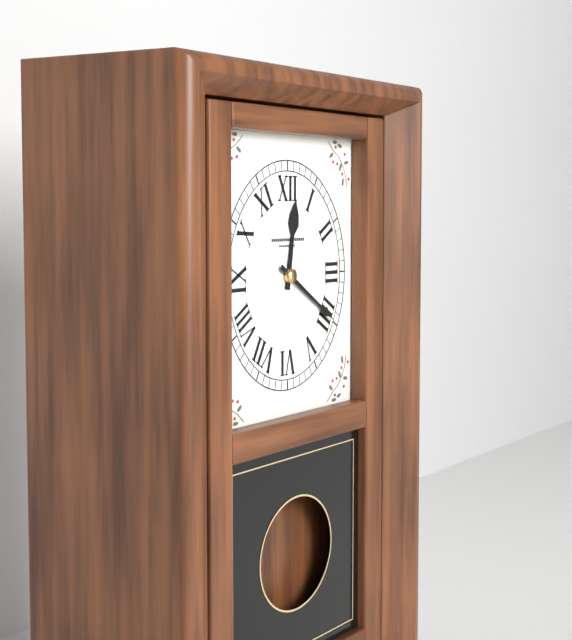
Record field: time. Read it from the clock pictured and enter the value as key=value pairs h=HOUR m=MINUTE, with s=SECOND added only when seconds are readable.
h=12 m=20
